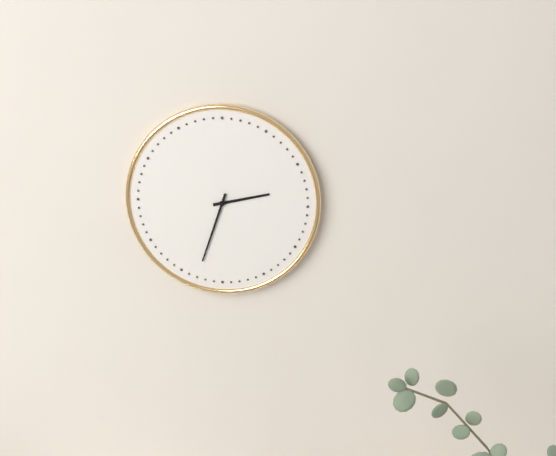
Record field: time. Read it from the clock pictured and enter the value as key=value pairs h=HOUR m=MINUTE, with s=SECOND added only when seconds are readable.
h=2 m=33
